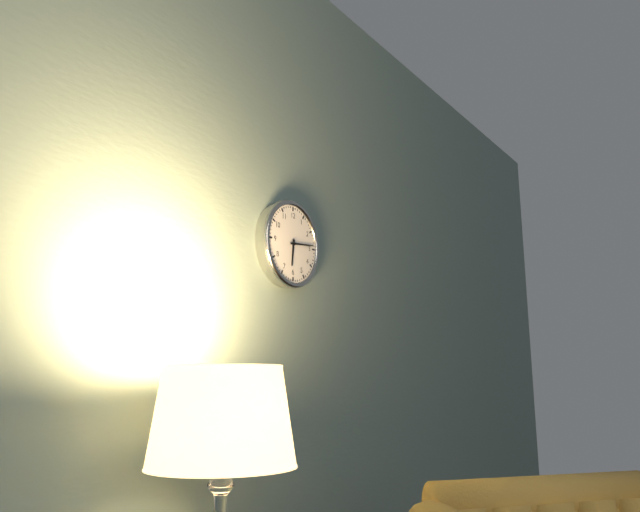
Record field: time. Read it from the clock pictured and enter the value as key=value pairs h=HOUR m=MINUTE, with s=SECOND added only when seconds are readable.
h=6 m=14
